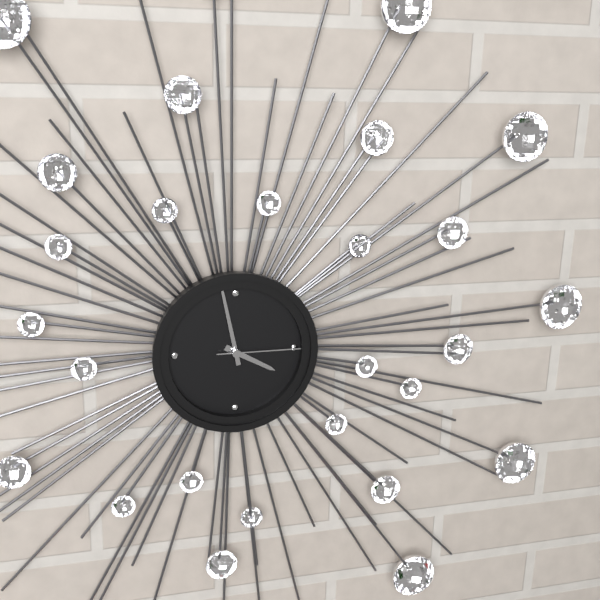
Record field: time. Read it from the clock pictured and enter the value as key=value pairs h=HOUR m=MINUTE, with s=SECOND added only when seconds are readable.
h=3 m=58 s=15
